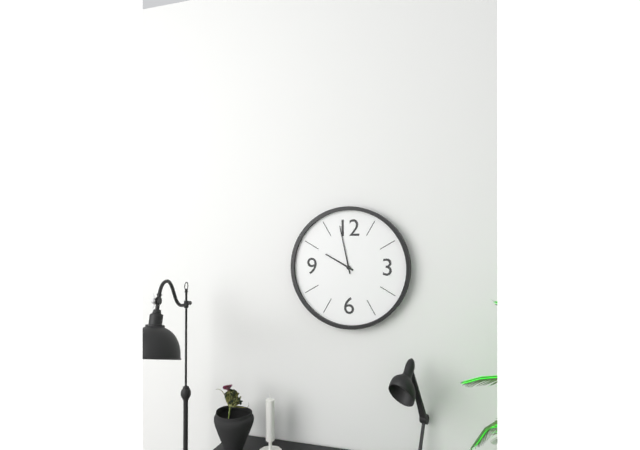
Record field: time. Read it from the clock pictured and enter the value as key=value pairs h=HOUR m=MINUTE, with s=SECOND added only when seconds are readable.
h=9 m=58
